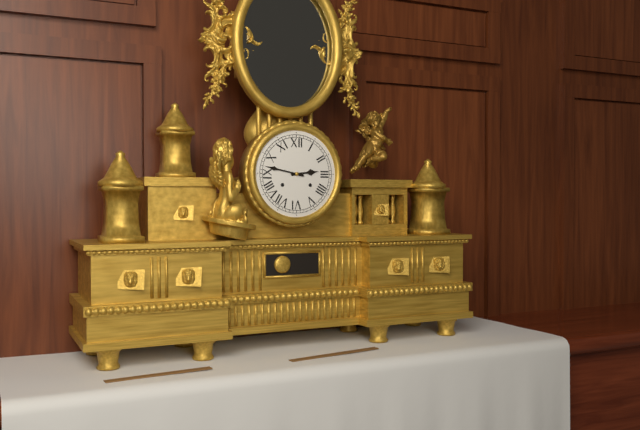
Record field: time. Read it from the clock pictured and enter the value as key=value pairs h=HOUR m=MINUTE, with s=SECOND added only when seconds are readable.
h=2 m=47
